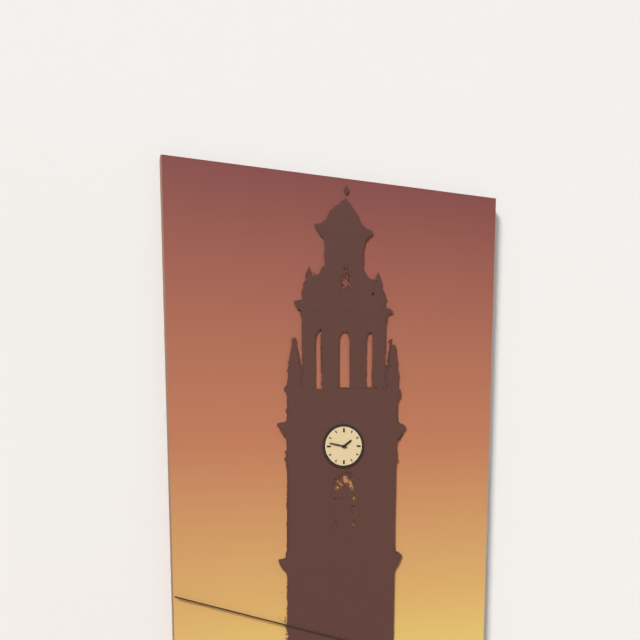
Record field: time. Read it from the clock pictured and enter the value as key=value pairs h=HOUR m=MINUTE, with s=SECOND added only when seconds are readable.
h=1 m=47
